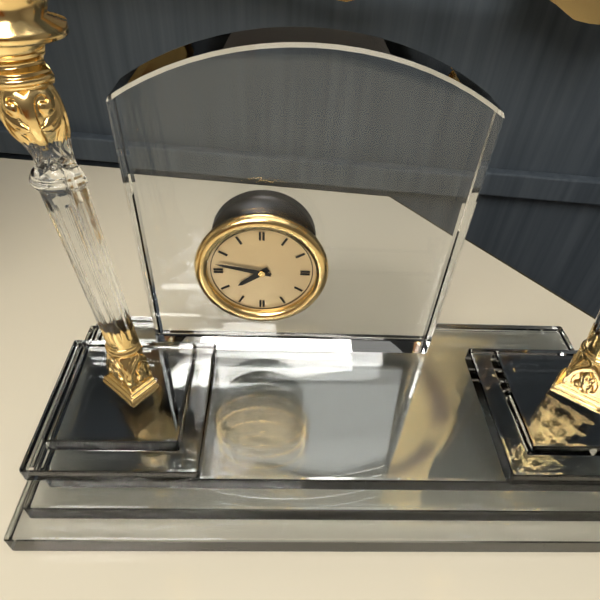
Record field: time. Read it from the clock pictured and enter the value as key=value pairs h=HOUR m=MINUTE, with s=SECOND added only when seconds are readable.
h=7 m=47
